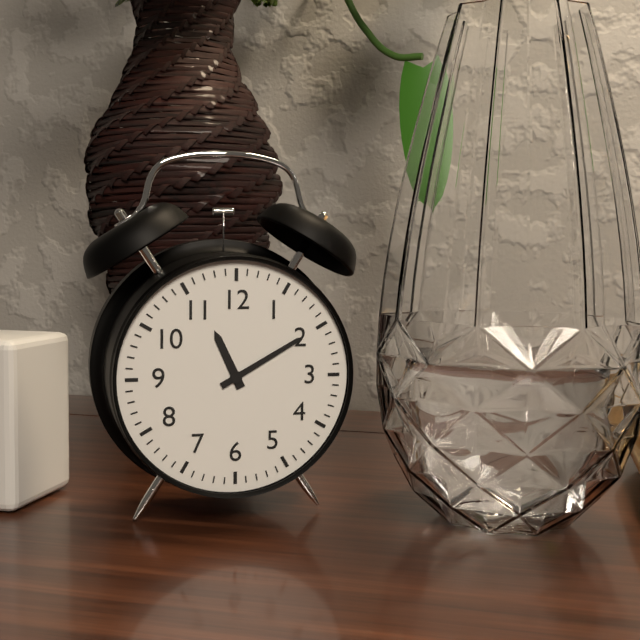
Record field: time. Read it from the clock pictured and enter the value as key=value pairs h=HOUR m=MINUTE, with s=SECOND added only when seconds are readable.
h=11 m=10
